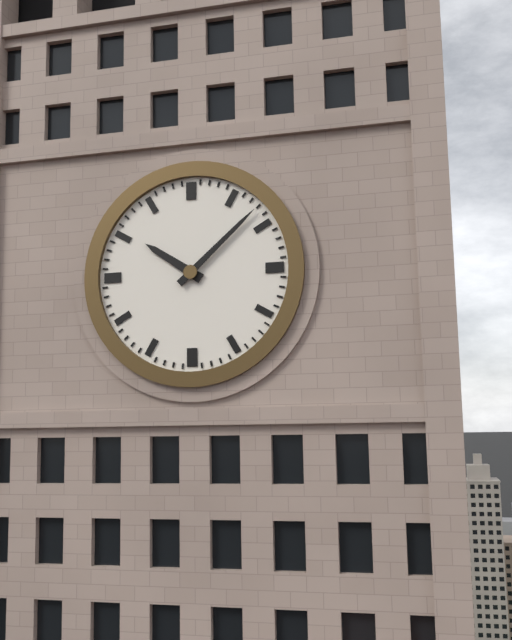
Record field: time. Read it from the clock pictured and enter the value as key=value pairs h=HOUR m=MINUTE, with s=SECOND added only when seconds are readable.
h=10 m=8
